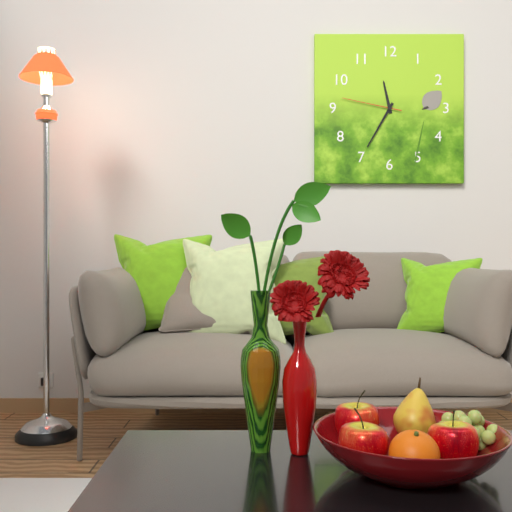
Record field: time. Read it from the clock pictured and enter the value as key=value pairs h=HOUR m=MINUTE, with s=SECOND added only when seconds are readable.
h=11 m=35 s=47
